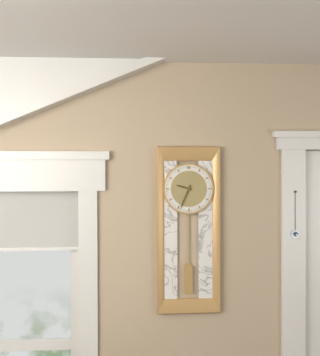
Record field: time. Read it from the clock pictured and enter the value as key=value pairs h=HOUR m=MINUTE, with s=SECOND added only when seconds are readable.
h=9 m=34
